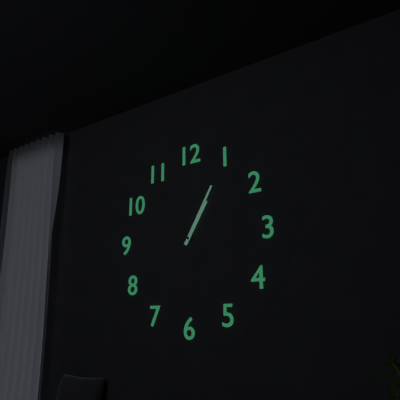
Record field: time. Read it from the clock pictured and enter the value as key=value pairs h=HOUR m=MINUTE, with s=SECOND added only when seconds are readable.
h=1 m=5
